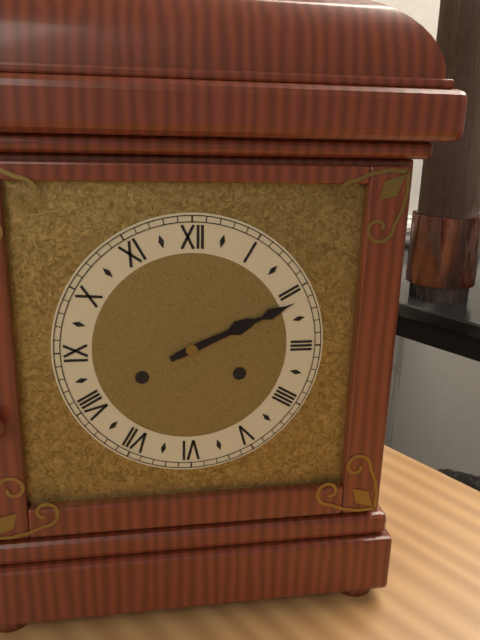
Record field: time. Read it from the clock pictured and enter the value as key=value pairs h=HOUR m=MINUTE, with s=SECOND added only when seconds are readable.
h=2 m=11
